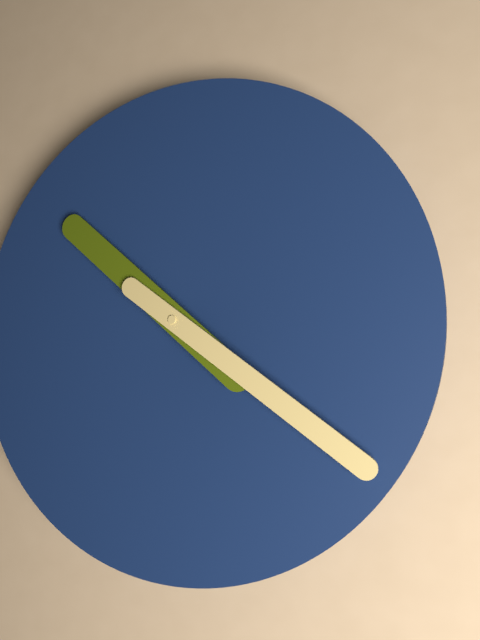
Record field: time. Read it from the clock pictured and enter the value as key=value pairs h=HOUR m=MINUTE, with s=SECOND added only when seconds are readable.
h=10 m=21
